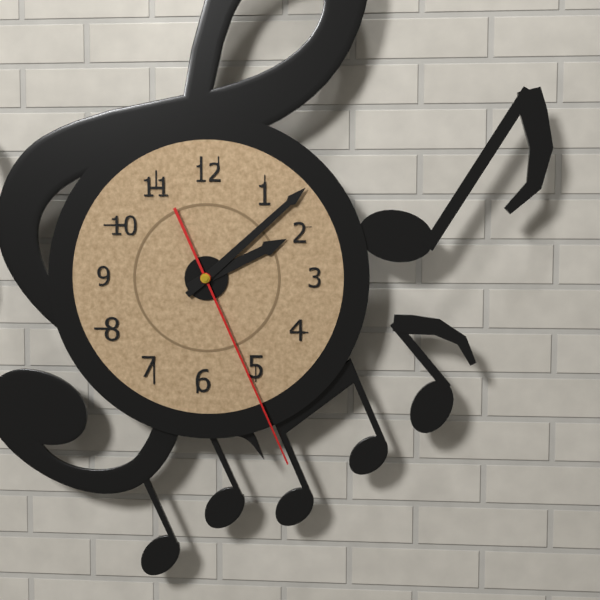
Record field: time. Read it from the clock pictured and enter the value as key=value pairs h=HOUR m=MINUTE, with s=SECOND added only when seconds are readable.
h=2 m=8 s=26
